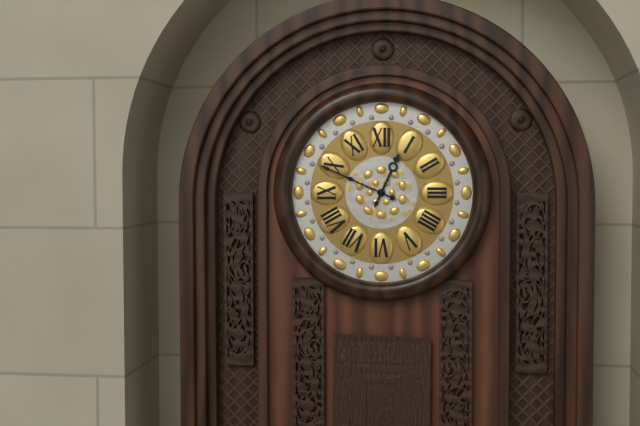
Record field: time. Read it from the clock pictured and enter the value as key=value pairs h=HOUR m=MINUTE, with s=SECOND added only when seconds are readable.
h=12 m=49
